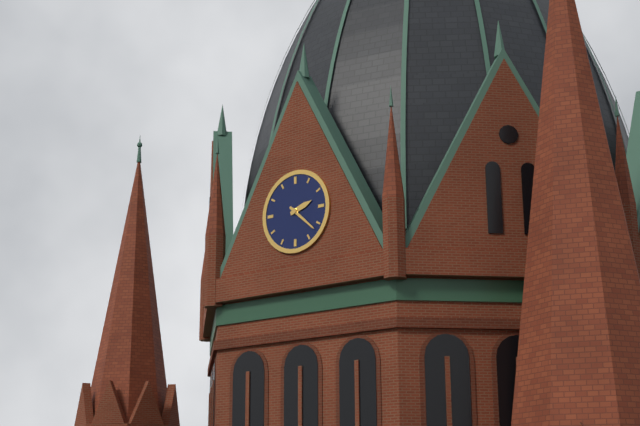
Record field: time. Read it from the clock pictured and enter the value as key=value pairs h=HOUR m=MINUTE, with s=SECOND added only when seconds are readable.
h=2 m=22
